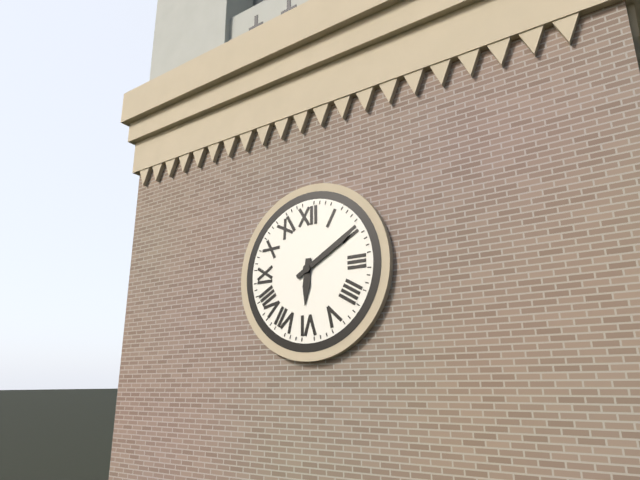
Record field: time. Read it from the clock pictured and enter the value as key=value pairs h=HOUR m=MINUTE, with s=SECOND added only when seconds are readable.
h=6 m=10
